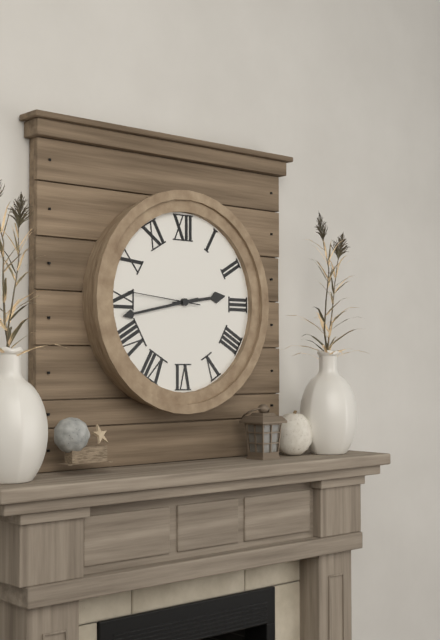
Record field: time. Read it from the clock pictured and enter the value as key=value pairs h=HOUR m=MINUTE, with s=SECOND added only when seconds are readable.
h=2 m=43 s=46
